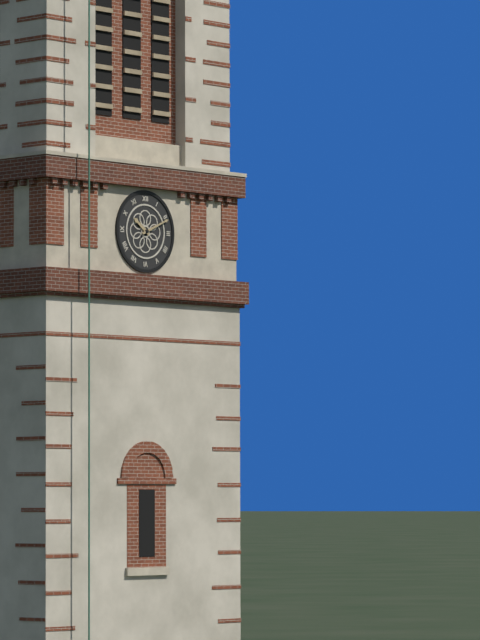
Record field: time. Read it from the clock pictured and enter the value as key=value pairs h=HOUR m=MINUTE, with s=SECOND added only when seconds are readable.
h=10 m=11
